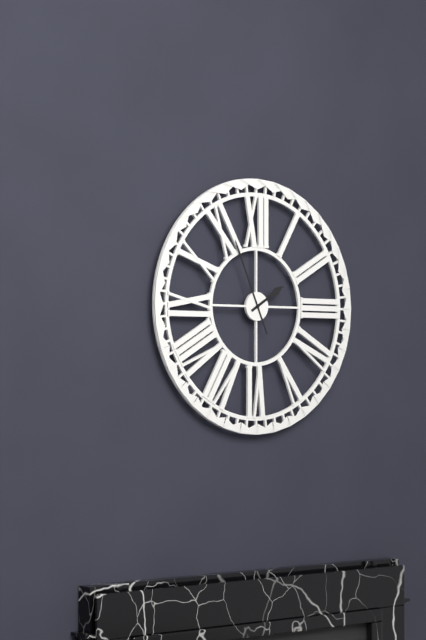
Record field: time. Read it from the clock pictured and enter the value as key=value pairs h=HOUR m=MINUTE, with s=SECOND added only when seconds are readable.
h=1 m=56
